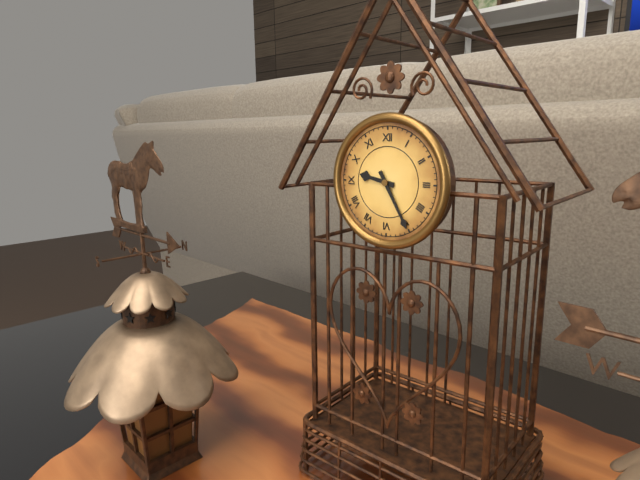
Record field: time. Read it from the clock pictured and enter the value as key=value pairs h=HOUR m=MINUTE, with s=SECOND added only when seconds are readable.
h=9 m=25
